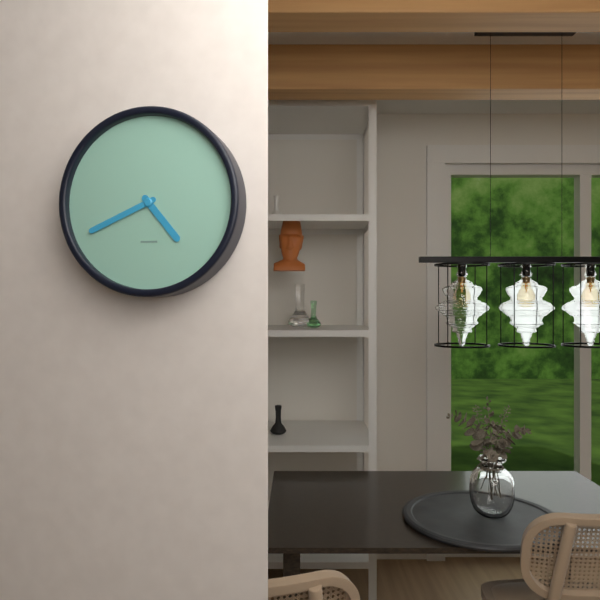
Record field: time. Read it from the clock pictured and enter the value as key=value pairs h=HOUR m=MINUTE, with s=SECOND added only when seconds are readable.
h=4 m=41
